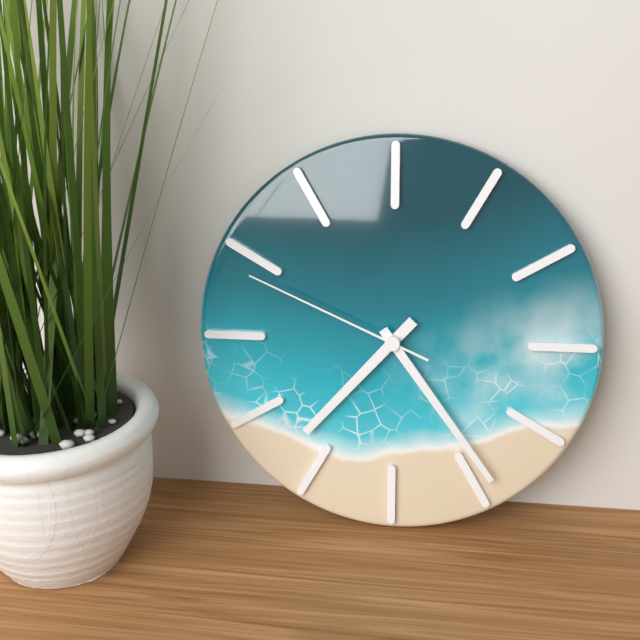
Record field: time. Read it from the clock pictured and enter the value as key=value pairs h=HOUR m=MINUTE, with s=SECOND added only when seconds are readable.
h=7 m=24 s=49
